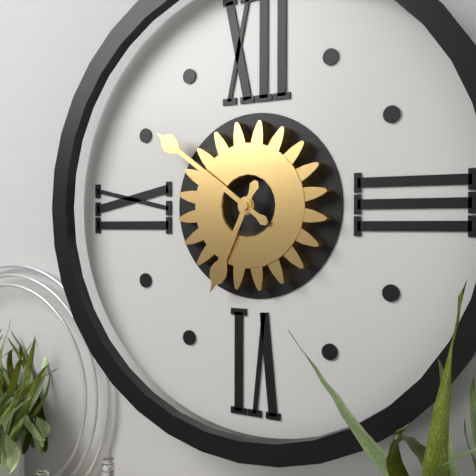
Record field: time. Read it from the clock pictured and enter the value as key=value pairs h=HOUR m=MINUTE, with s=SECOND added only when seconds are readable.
h=6 m=51
